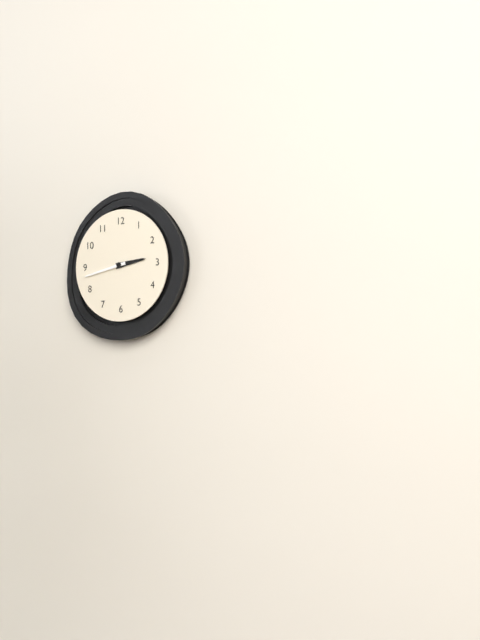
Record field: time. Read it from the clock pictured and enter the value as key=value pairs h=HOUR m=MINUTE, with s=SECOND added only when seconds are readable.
h=2 m=43
